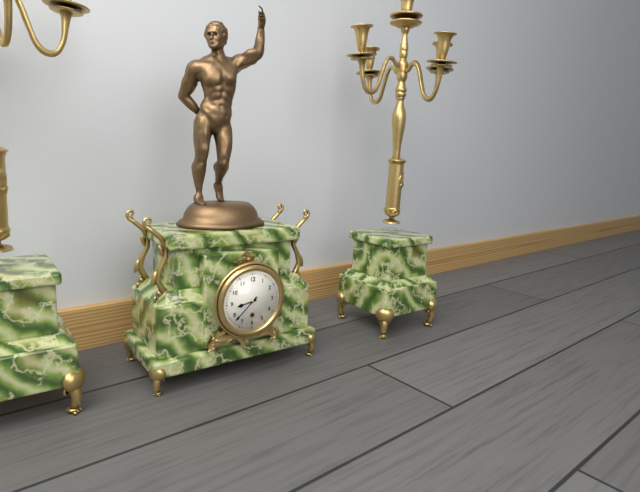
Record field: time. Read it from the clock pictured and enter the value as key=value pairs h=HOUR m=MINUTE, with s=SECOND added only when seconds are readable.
h=8 m=38
